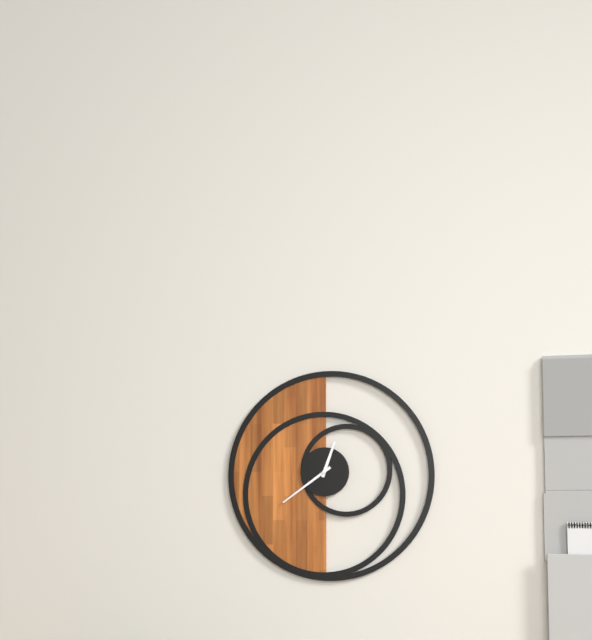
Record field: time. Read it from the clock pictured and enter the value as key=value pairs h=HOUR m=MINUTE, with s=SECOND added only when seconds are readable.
h=12 m=39
